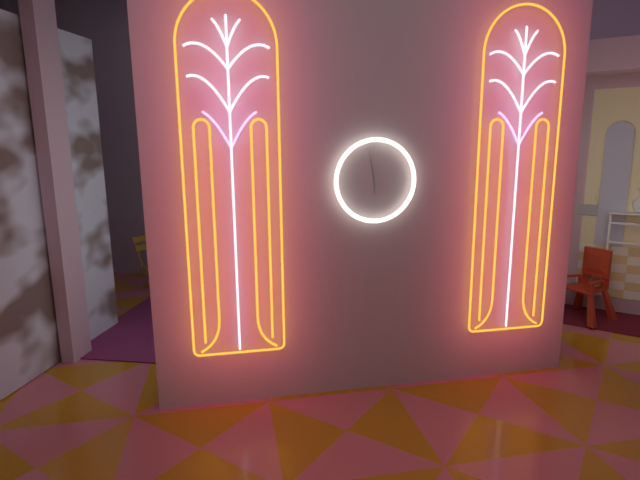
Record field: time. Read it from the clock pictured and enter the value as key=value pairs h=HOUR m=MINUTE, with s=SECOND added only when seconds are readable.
h=5 m=58
